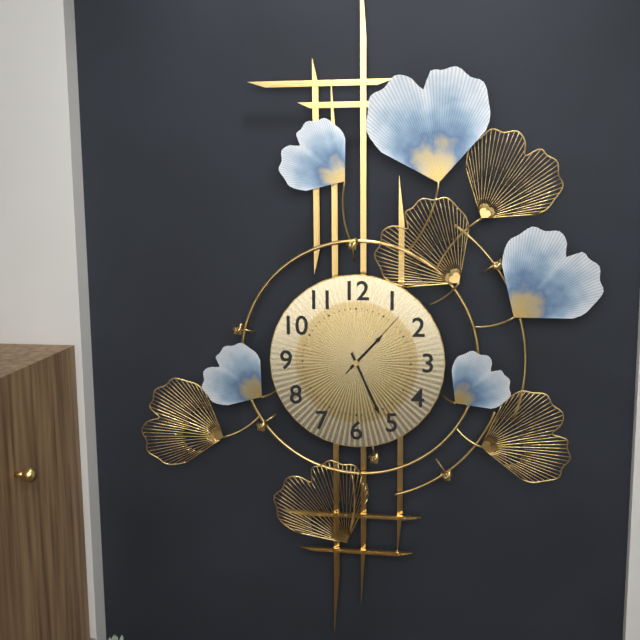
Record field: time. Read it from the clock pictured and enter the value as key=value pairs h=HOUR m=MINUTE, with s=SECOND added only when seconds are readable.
h=1 m=26 s=7
